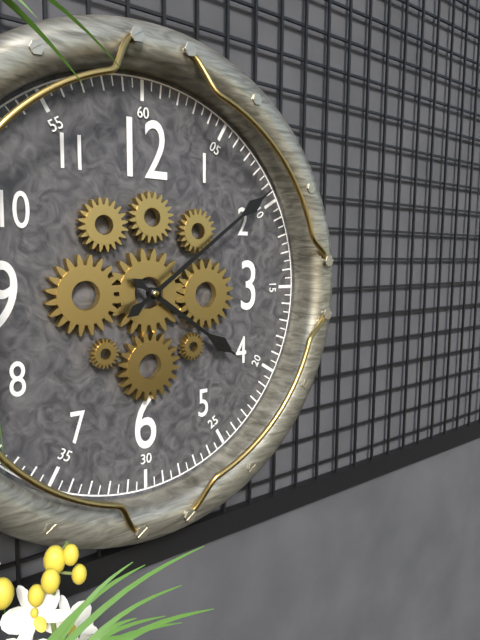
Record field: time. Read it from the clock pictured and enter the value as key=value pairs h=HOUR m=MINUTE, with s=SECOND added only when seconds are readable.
h=4 m=9
